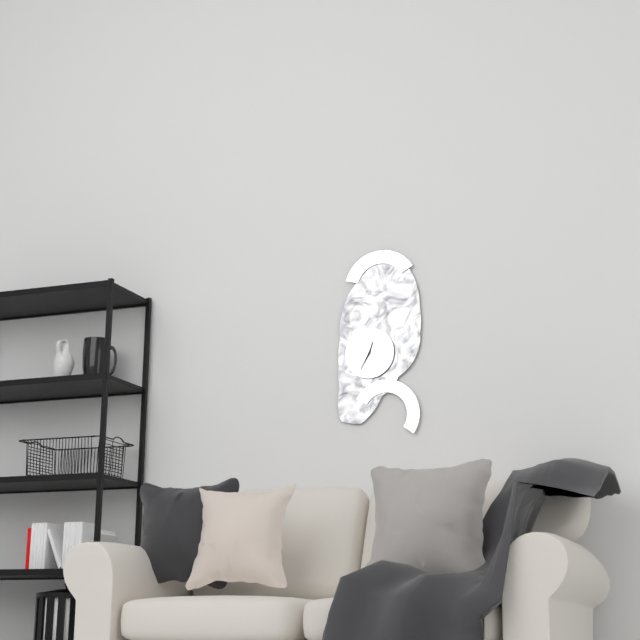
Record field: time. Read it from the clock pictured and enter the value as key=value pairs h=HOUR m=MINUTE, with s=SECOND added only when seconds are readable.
h=12 m=35
